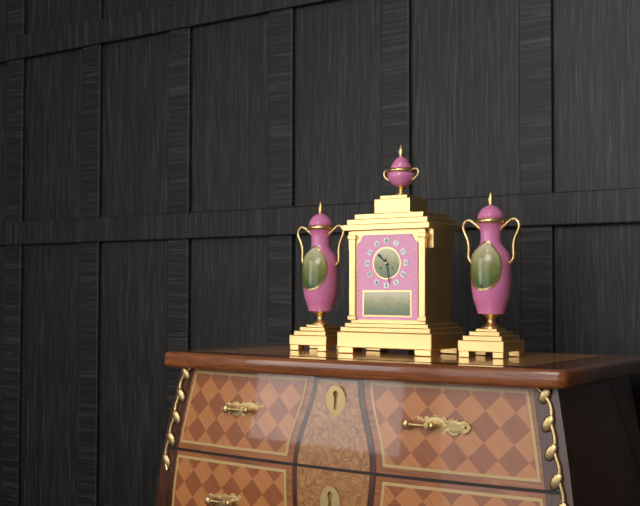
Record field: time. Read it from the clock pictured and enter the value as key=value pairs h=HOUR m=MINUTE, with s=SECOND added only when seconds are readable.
h=10 m=28
